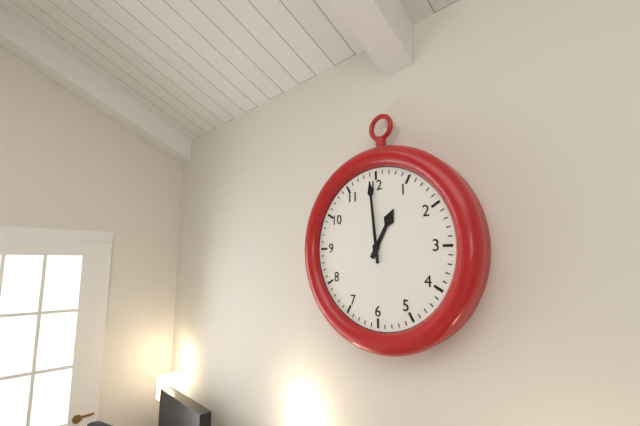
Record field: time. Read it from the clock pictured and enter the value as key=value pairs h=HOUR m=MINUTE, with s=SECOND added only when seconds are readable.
h=12 m=59
